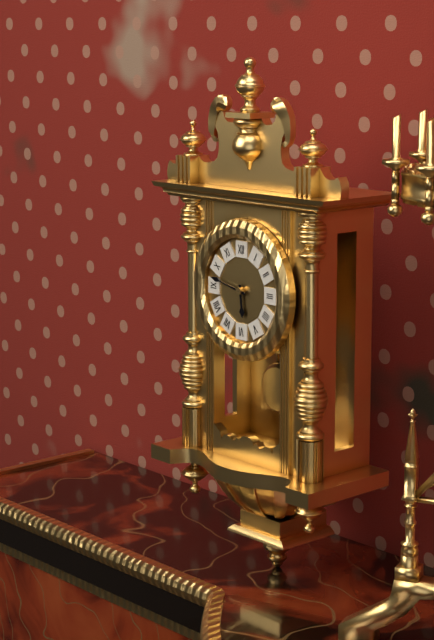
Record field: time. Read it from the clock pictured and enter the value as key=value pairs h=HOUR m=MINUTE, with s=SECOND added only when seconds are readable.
h=5 m=47
